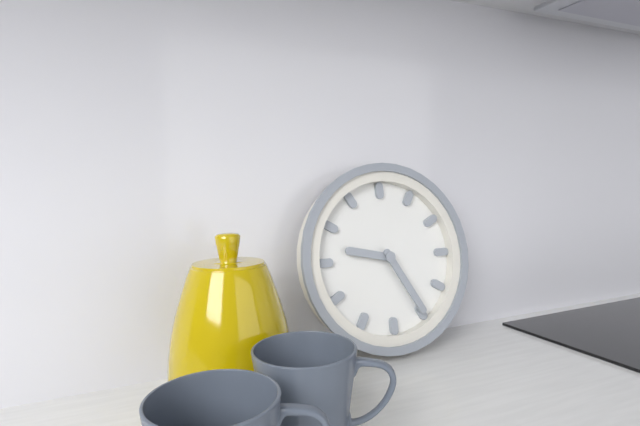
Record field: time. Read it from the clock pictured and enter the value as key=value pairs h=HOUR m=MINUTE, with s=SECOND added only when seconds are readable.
h=9 m=25
